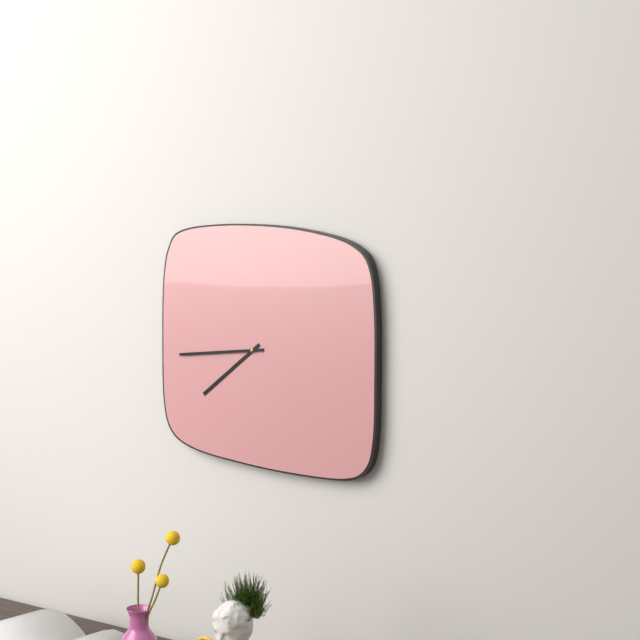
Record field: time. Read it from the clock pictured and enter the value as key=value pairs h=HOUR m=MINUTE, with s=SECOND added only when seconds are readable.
h=7 m=44
